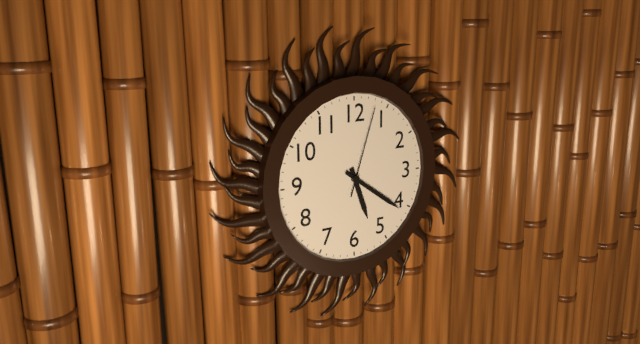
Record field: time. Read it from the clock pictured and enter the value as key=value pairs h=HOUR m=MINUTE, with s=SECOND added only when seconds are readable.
h=5 m=21 s=3
